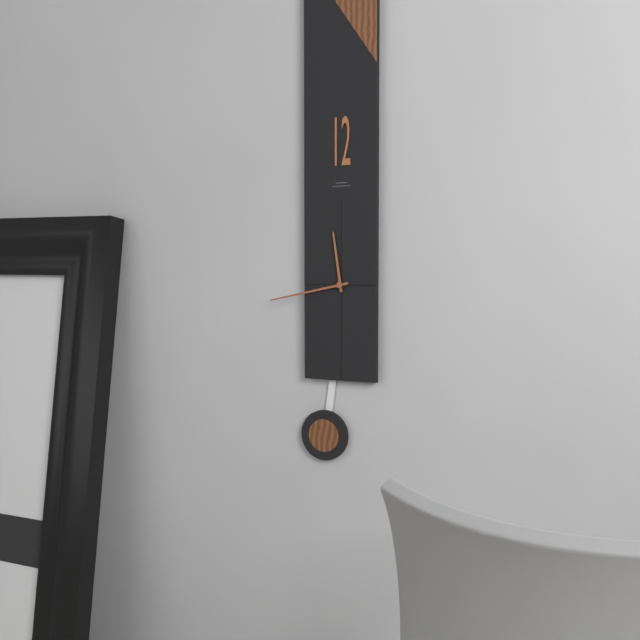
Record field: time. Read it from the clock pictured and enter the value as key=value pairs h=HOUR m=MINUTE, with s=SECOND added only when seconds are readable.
h=11 m=43
